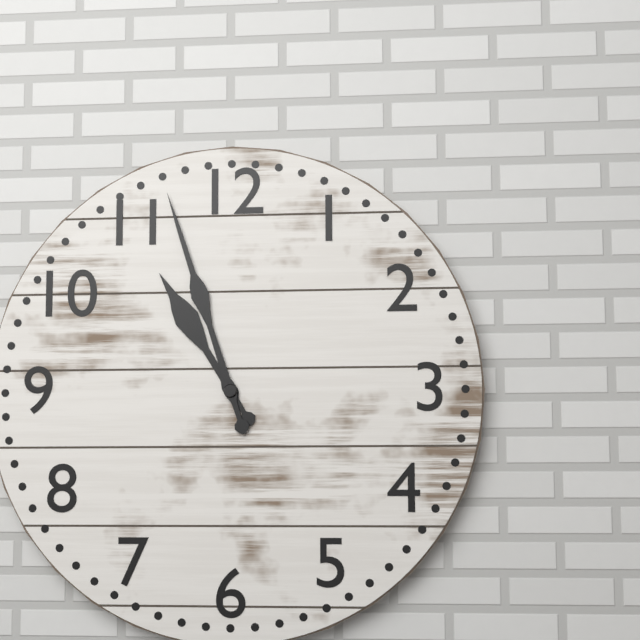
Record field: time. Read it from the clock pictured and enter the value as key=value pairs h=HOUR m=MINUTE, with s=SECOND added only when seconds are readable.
h=10 m=57
